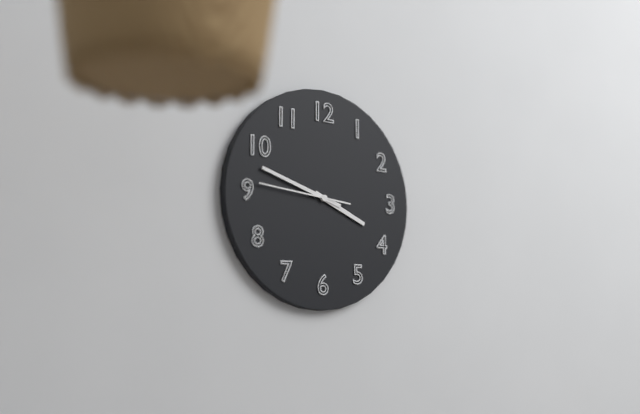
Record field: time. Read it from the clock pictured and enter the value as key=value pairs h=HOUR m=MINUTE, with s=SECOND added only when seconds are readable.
h=3 m=48 s=46
